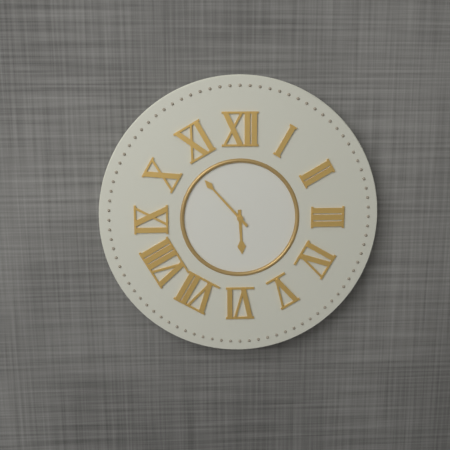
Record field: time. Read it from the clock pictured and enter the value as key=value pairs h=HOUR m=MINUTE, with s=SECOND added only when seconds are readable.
h=5 m=53
